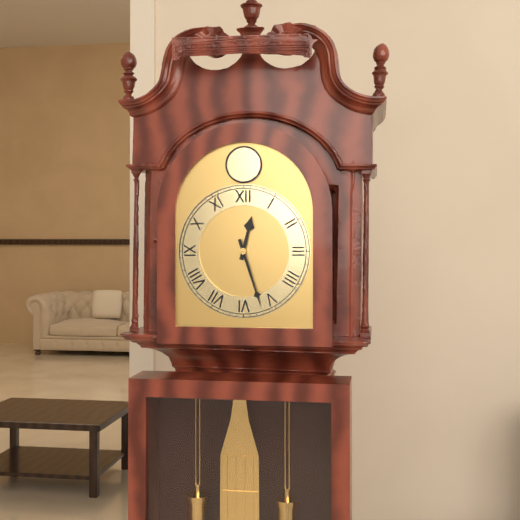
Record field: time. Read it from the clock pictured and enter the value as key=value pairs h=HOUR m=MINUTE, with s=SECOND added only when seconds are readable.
h=12 m=27
